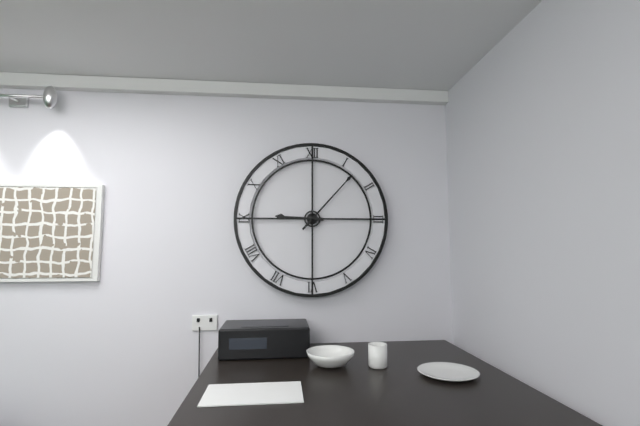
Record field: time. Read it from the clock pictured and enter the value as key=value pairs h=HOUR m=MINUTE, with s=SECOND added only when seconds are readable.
h=9 m=7
